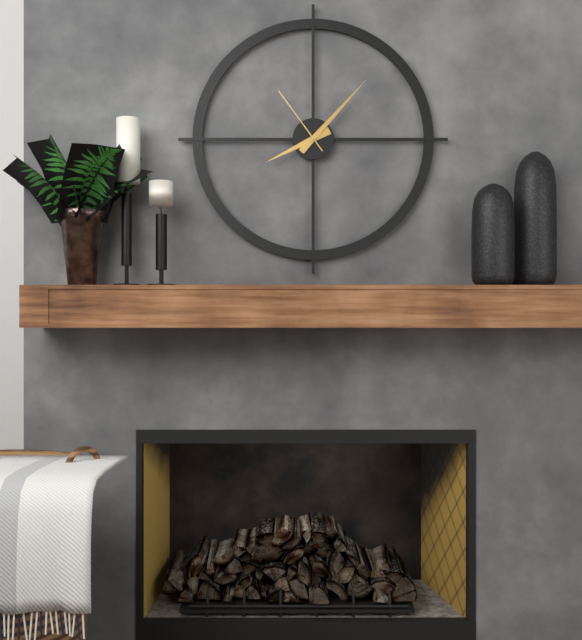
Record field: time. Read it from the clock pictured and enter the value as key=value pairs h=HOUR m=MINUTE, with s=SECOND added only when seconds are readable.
h=8 m=7 s=54
